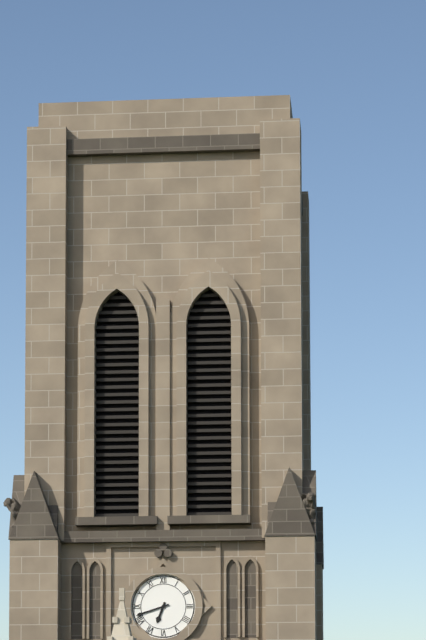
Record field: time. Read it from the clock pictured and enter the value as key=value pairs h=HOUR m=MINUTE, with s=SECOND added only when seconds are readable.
h=6 m=42
